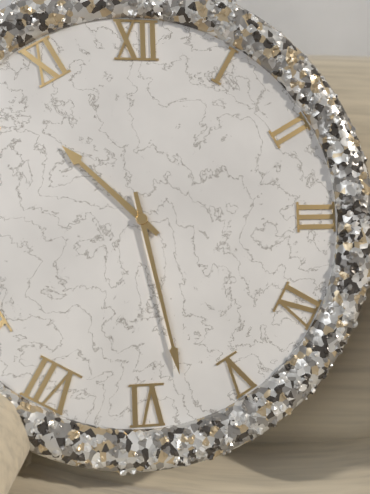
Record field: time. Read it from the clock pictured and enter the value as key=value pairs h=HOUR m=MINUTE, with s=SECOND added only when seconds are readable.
h=10 m=28
